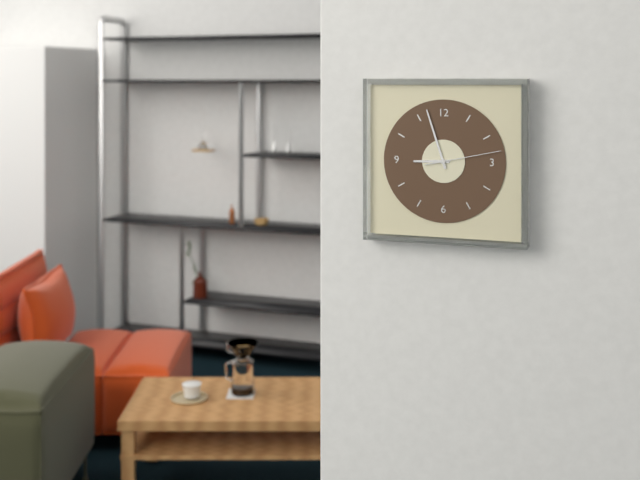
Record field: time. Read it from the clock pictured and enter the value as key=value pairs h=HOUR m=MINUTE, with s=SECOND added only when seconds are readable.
h=8 m=57 s=13
